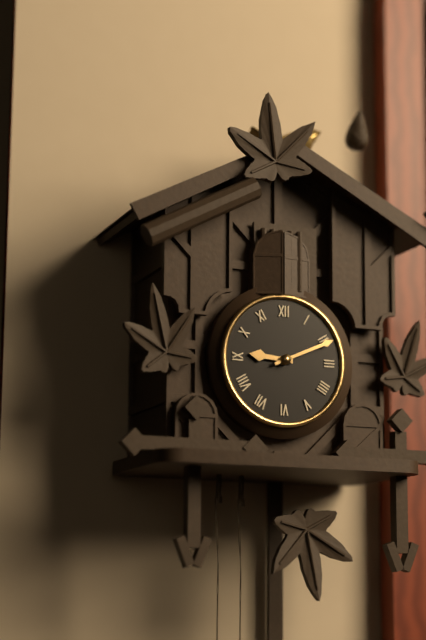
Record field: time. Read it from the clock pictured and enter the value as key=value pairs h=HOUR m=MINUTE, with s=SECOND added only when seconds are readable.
h=9 m=11
